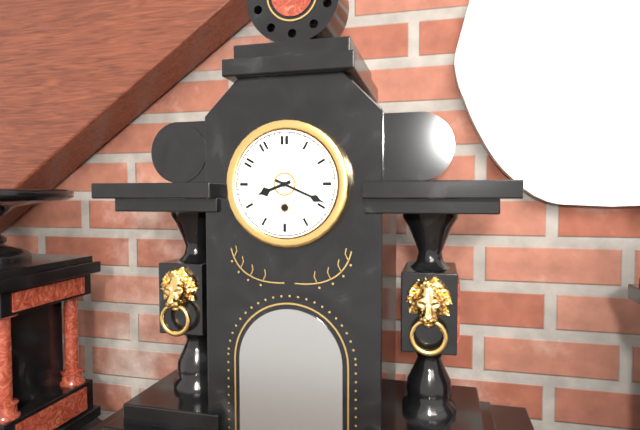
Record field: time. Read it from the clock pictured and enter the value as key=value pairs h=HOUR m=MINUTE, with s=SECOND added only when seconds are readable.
h=8 m=19
